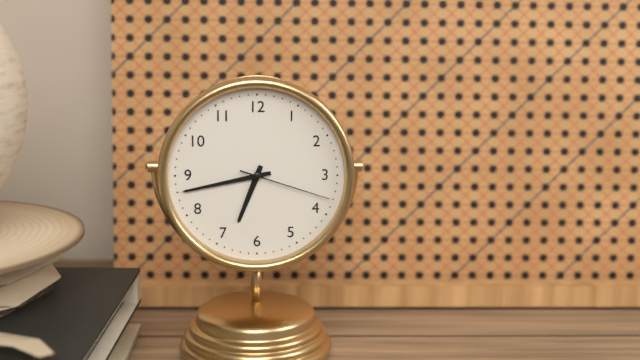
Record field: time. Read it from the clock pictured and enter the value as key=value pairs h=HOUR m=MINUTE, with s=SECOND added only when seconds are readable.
h=6 m=43 s=18
